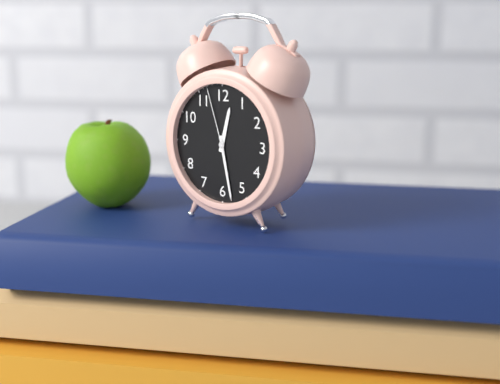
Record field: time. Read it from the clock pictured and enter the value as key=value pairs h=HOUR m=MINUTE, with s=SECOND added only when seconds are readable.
h=12 m=28 s=57
